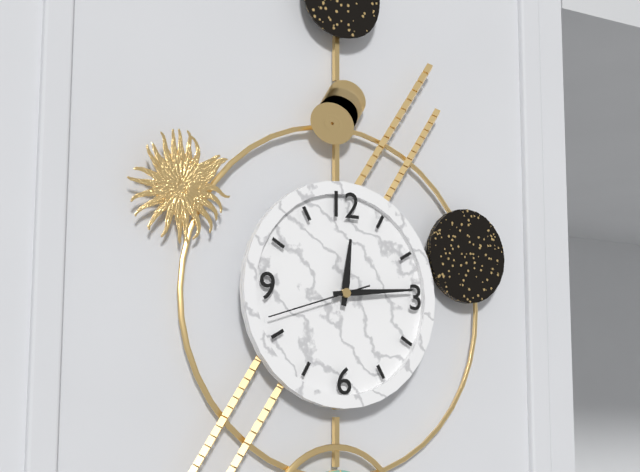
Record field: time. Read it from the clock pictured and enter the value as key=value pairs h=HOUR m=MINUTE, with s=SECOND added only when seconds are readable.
h=12 m=14 s=42
